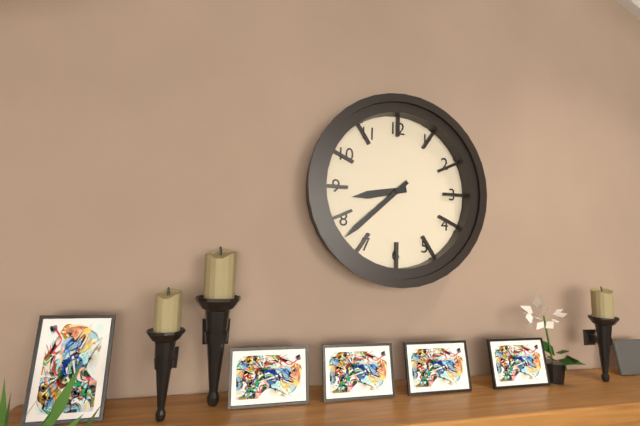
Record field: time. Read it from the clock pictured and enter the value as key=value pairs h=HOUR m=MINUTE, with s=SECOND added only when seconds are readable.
h=8 m=38
